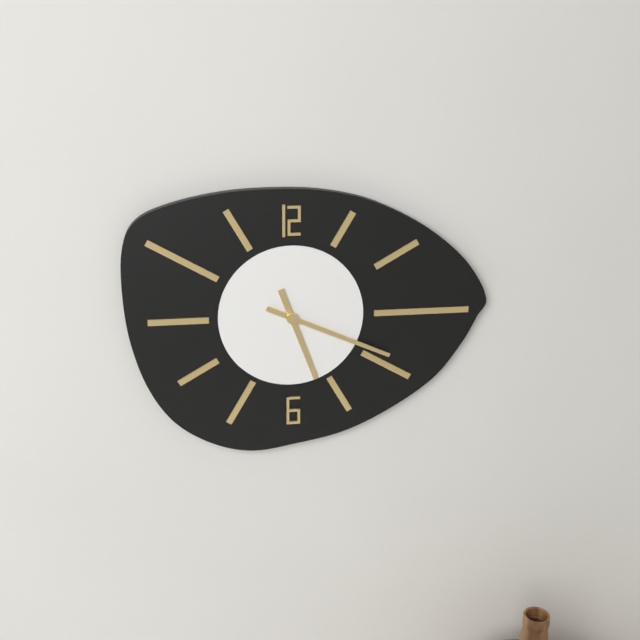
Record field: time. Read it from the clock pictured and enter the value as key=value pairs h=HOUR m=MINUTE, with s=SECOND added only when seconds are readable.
h=5 m=19
